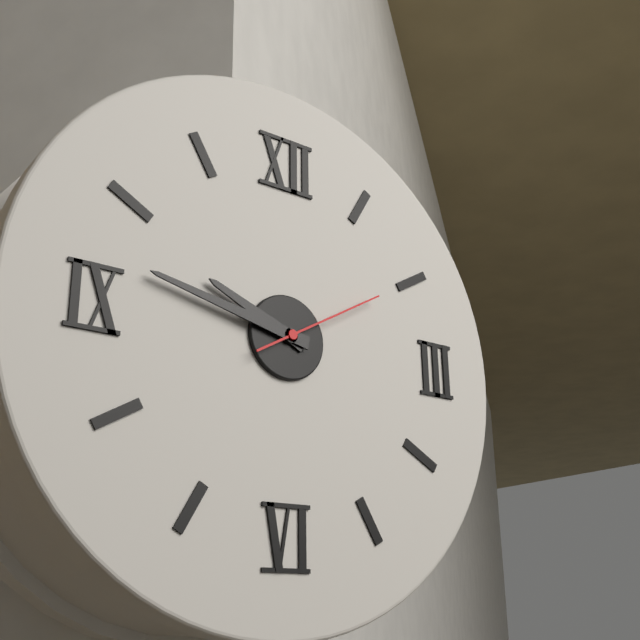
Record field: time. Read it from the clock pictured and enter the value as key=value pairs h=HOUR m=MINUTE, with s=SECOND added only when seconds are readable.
h=9 m=47 s=10
